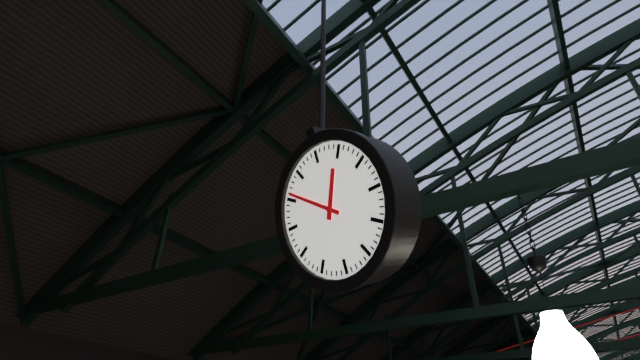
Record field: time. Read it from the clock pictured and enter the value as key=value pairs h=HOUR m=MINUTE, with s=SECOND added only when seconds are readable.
h=12 m=51
